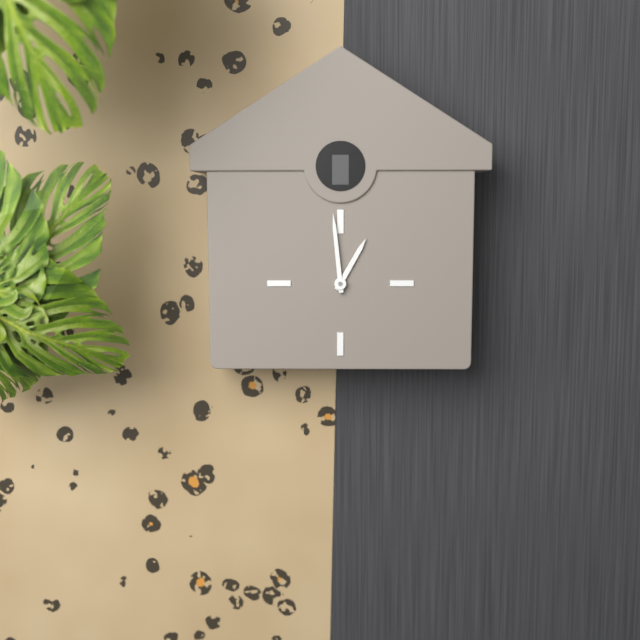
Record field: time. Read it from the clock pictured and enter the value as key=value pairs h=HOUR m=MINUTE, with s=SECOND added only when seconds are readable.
h=12 m=59
